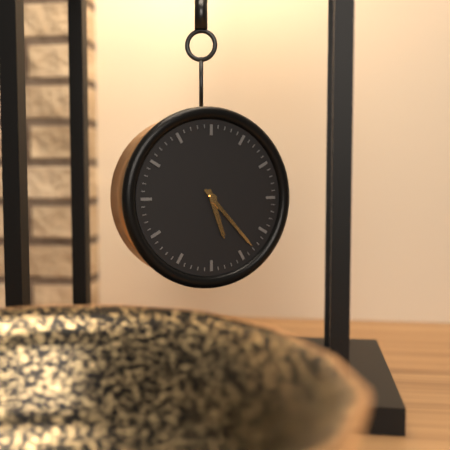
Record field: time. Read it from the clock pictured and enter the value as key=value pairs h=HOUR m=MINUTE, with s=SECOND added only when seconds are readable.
h=5 m=23
